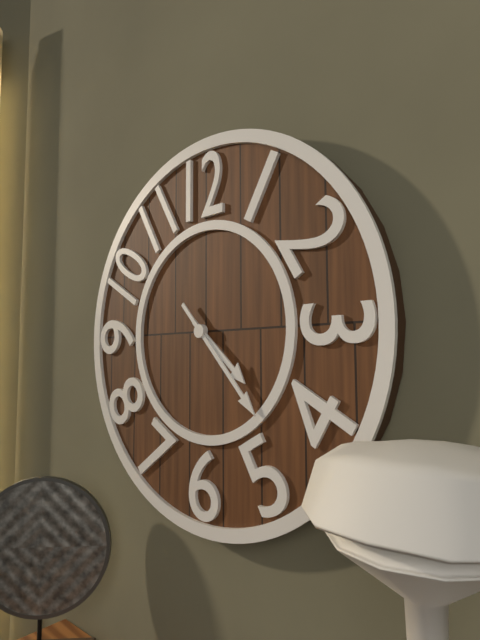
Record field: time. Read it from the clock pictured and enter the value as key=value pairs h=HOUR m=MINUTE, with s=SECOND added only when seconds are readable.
h=4 m=23
